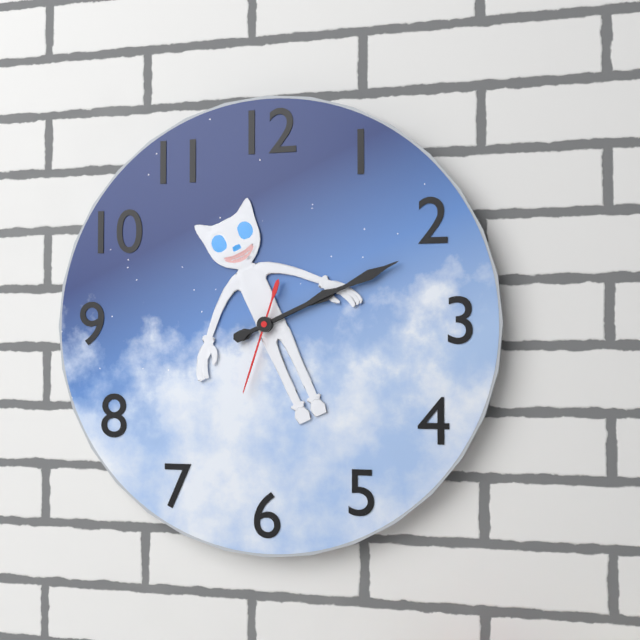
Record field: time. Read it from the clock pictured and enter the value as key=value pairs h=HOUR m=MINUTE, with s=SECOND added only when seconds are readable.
h=2 m=11 s=33
